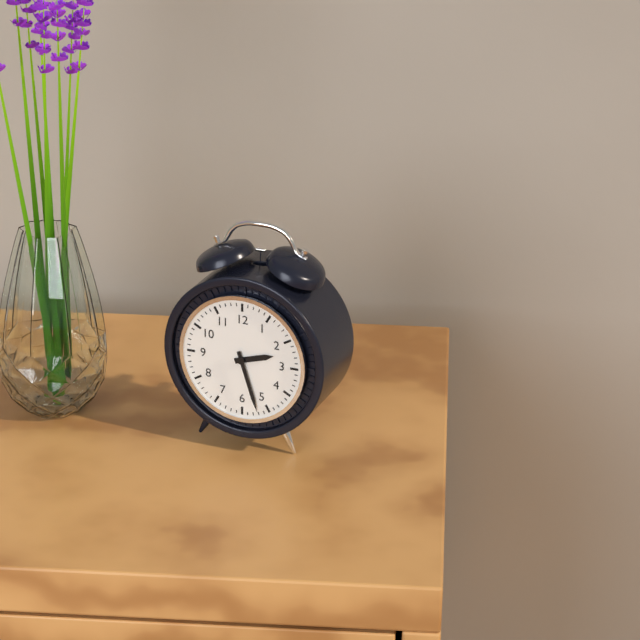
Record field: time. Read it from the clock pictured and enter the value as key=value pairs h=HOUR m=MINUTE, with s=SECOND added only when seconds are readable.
h=2 m=27
